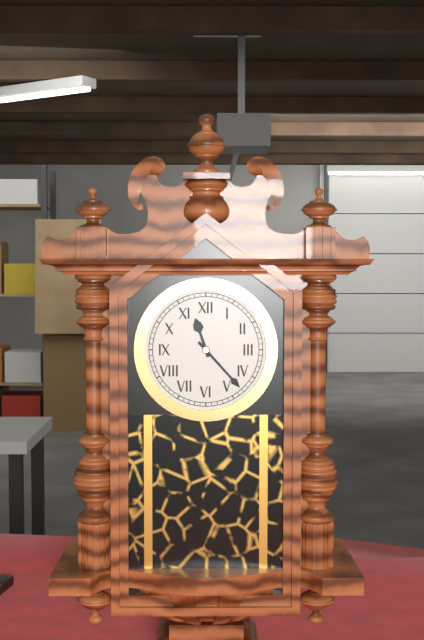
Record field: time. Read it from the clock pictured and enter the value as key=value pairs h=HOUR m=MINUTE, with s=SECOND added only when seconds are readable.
h=11 m=23
